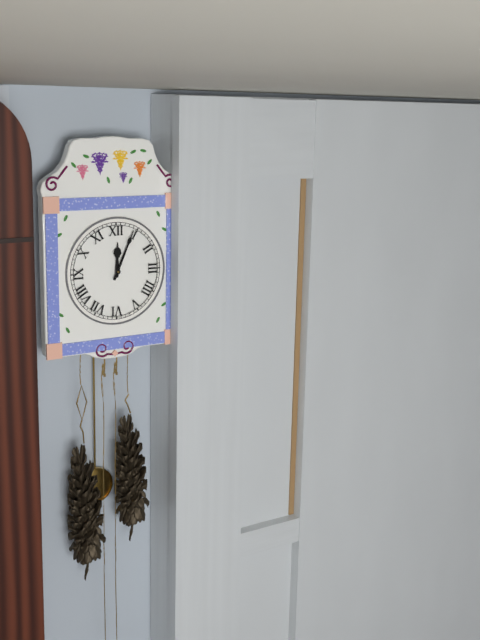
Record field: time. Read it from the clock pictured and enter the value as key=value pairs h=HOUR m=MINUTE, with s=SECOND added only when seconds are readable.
h=12 m=4
